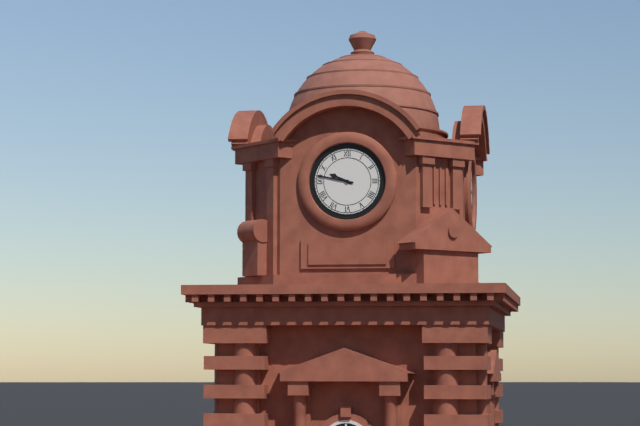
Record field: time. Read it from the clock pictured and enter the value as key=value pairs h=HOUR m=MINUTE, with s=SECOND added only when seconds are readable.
h=9 m=47
